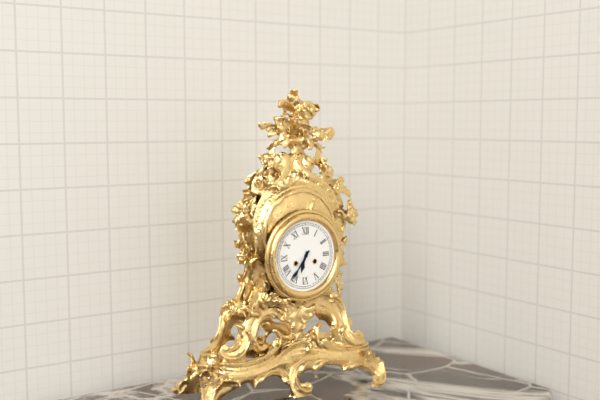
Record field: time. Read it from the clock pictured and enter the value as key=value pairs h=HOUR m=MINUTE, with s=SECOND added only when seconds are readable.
h=6 m=36
